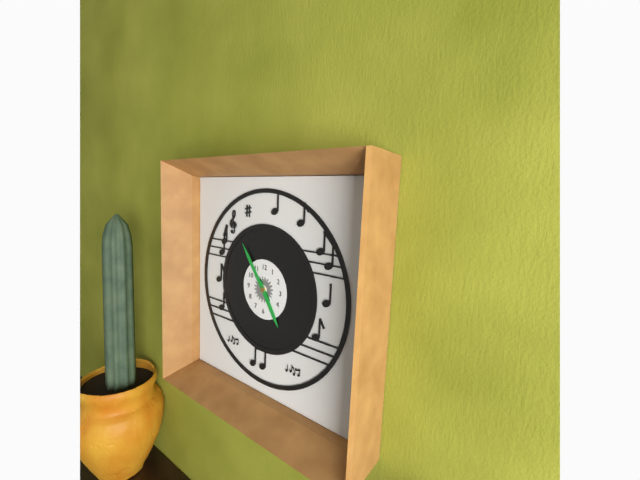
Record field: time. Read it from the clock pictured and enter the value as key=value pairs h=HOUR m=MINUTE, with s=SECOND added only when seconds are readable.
h=4 m=54
